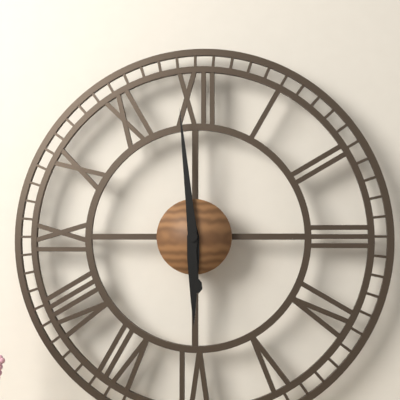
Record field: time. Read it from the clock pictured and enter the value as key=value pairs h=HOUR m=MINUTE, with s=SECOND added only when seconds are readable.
h=5 m=59
